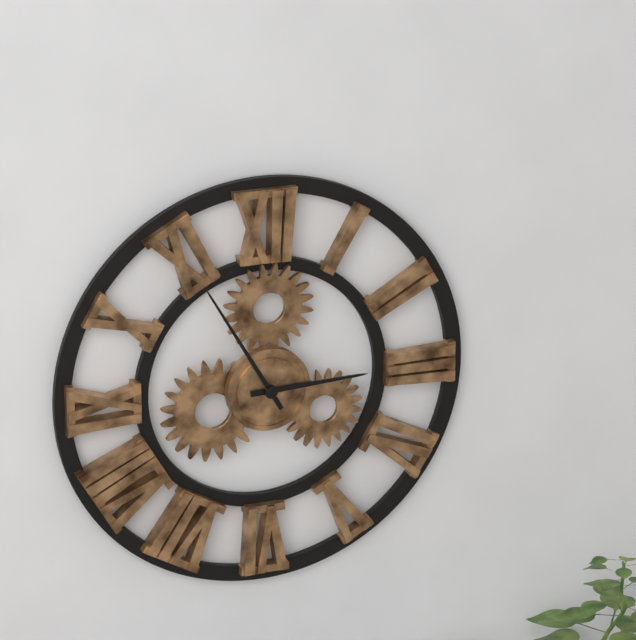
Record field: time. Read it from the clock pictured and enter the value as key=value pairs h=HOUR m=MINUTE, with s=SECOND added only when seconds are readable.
h=2 m=55
